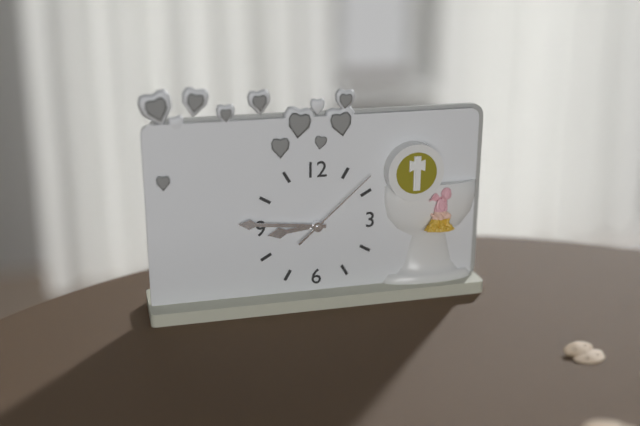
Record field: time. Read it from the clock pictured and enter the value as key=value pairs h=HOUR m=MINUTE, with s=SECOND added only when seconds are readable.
h=8 m=46 s=8
